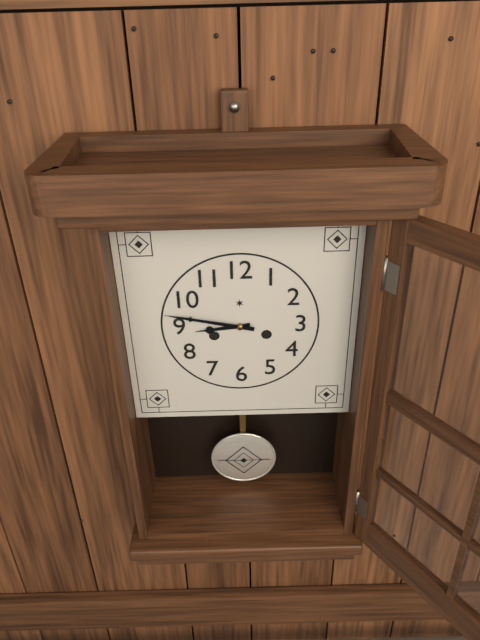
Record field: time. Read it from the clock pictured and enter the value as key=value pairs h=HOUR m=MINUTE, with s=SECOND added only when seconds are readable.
h=8 m=47
